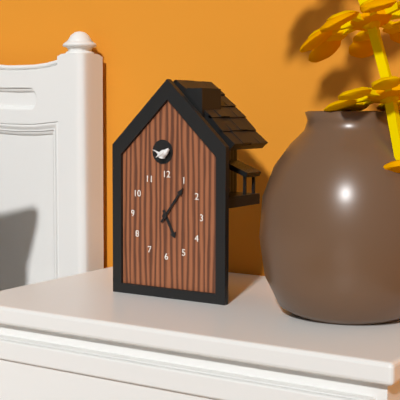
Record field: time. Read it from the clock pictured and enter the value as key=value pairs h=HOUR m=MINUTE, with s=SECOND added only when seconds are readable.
h=5 m=6
